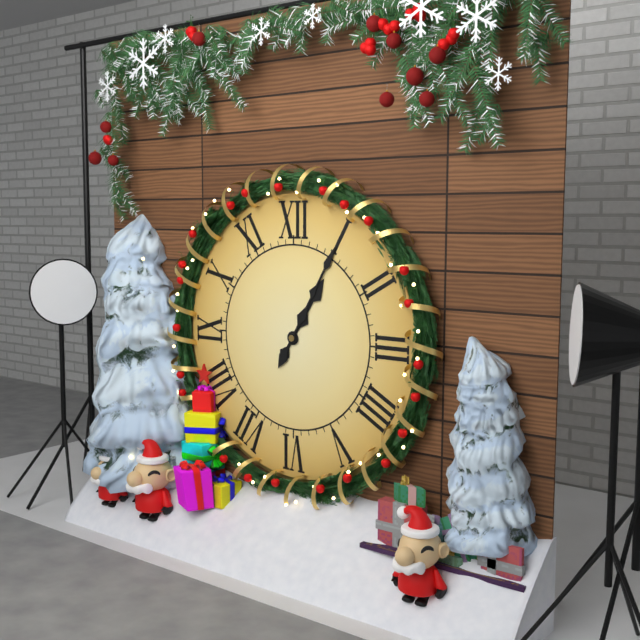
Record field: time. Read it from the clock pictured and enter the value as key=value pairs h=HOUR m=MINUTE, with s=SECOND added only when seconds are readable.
h=1 m=5
